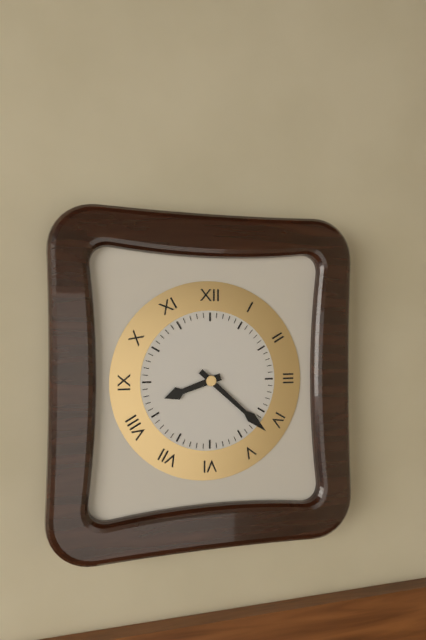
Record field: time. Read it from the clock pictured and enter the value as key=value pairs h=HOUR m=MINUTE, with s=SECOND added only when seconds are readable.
h=8 m=22
